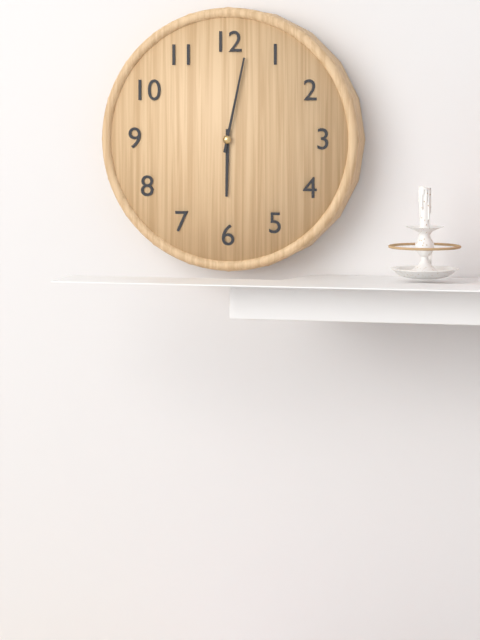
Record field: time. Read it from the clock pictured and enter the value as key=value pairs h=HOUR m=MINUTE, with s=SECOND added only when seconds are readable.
h=6 m=2
